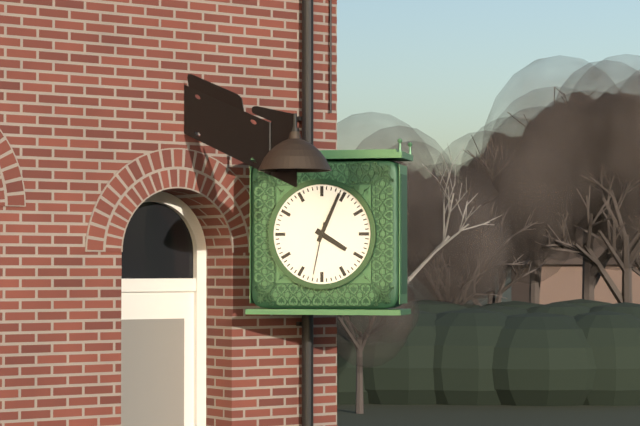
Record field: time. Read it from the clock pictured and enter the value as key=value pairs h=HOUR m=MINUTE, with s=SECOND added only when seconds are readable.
h=4 m=4 s=32
